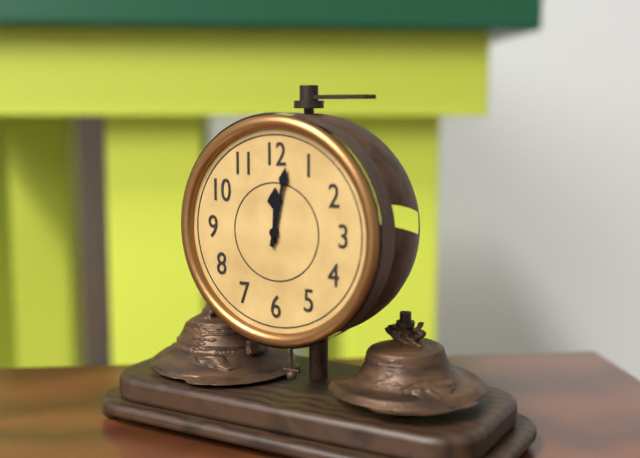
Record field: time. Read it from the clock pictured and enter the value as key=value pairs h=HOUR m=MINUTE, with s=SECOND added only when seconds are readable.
h=12 m=2
